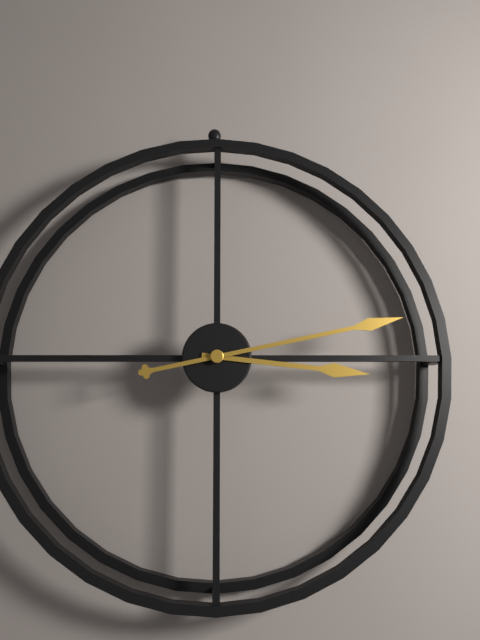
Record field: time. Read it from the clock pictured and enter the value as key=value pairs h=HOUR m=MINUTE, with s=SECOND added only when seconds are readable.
h=3 m=13
